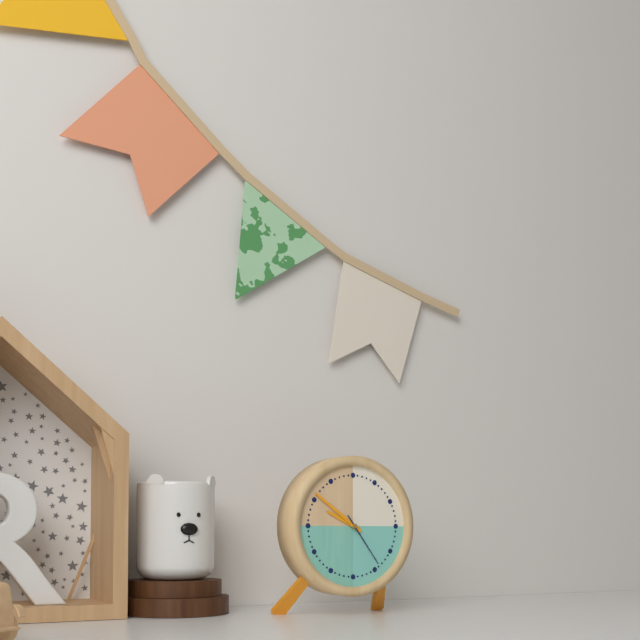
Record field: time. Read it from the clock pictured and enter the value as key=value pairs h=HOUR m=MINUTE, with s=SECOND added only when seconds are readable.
h=9 m=51 s=24
